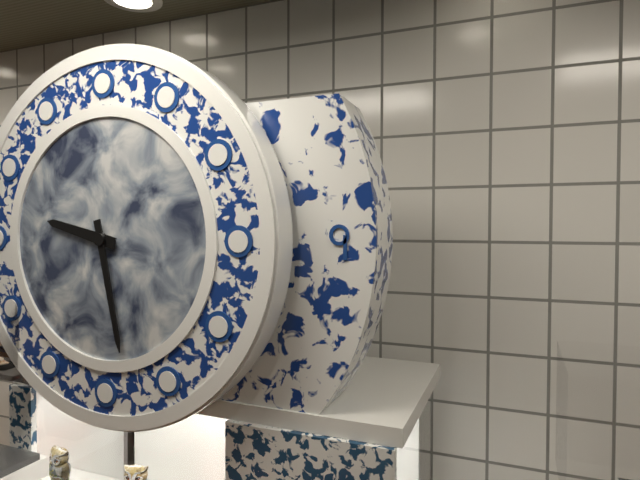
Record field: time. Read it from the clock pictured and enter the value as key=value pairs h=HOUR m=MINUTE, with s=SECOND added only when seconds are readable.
h=9 m=28
